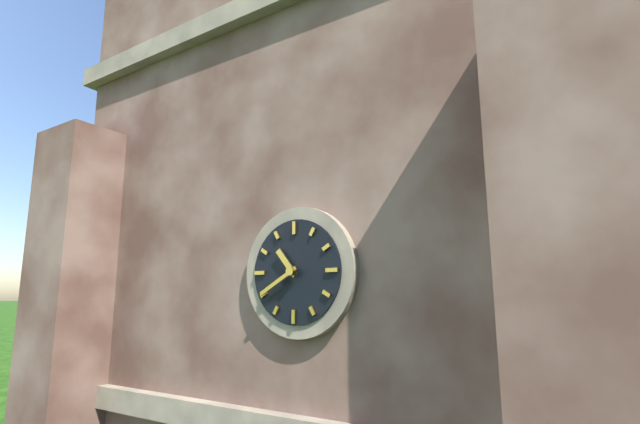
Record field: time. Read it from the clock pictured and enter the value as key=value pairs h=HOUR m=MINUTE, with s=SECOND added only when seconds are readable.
h=10 m=40
